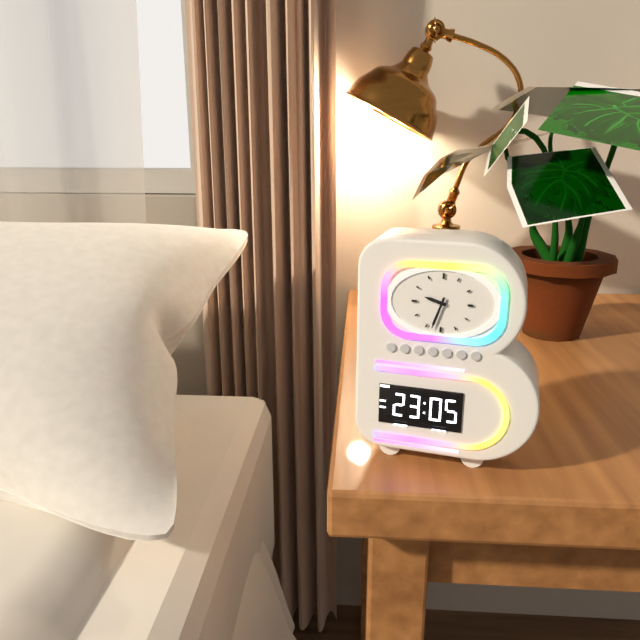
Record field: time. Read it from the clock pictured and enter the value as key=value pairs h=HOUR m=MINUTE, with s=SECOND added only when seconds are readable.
h=9 m=33
